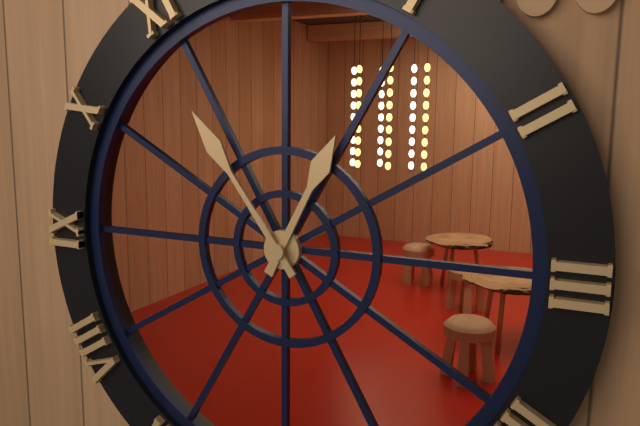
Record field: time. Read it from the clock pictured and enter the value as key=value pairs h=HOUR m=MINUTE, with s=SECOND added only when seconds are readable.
h=12 m=54
